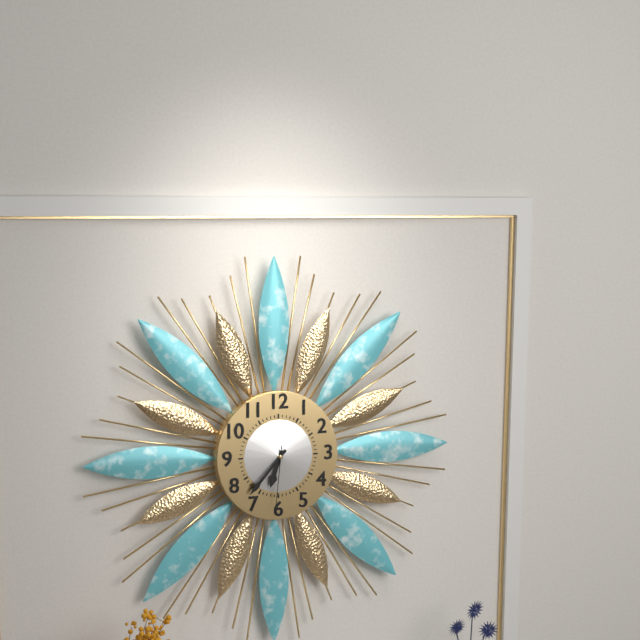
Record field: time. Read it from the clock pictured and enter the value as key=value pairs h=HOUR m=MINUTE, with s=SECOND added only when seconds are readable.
h=6 m=37 s=31
